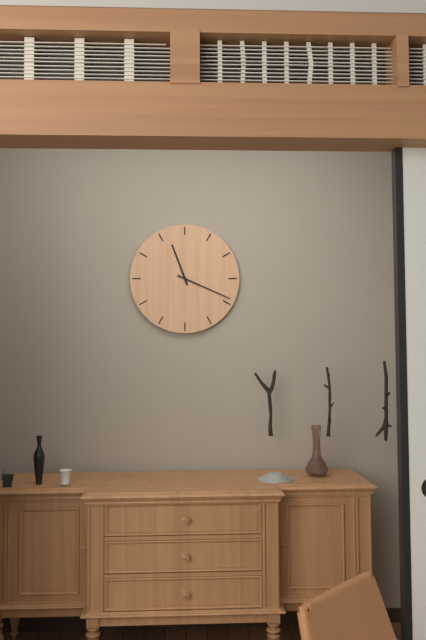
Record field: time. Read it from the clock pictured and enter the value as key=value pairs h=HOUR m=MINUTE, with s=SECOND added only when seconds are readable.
h=11 m=19
